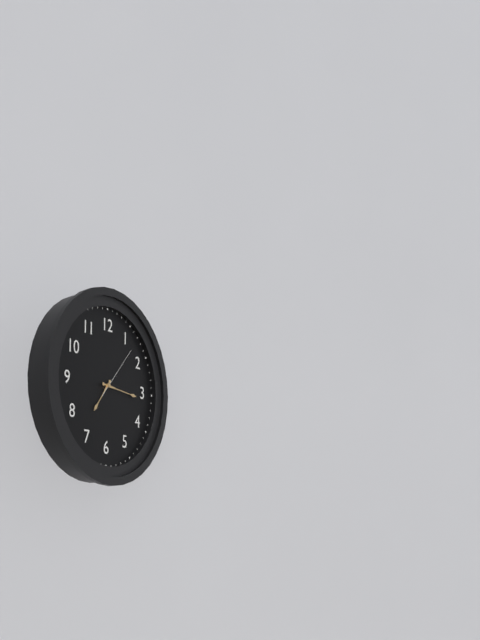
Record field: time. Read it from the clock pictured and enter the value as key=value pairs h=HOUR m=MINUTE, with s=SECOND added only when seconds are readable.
h=7 m=16 s=7
